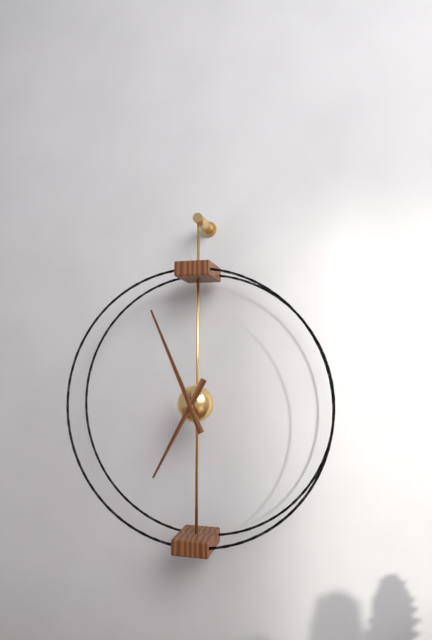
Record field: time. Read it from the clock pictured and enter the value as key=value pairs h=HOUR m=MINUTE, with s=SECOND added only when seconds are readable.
h=6 m=56
